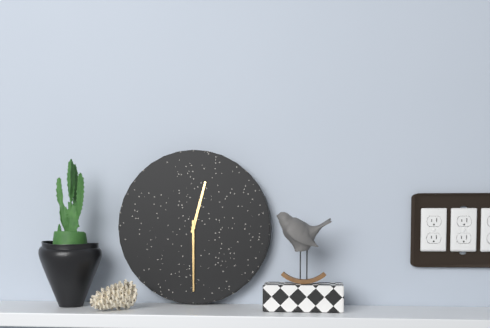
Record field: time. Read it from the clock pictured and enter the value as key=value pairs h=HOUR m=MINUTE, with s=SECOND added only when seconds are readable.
h=12 m=30
